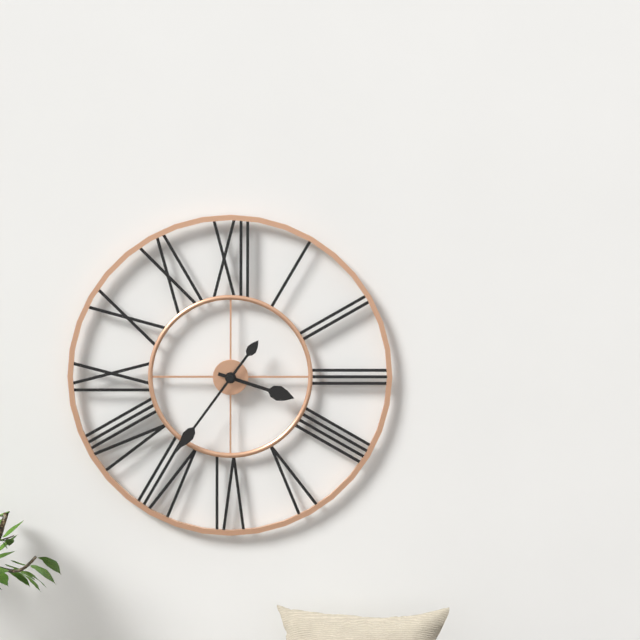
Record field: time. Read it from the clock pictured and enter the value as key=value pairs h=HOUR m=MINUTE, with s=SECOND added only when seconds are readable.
h=3 m=36
